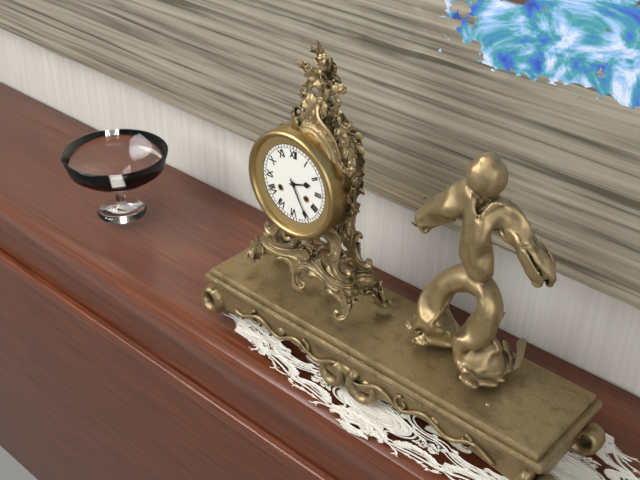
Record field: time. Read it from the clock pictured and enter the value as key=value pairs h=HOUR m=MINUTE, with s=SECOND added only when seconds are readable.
h=2 m=25
